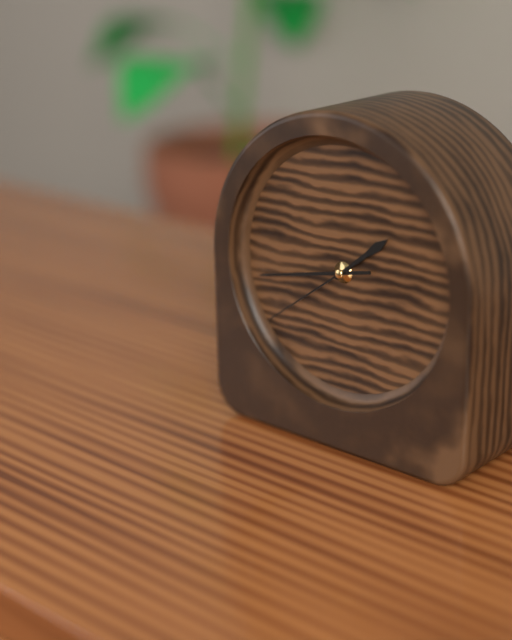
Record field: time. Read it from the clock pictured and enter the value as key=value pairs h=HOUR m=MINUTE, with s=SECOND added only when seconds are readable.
h=1 m=43 s=39
